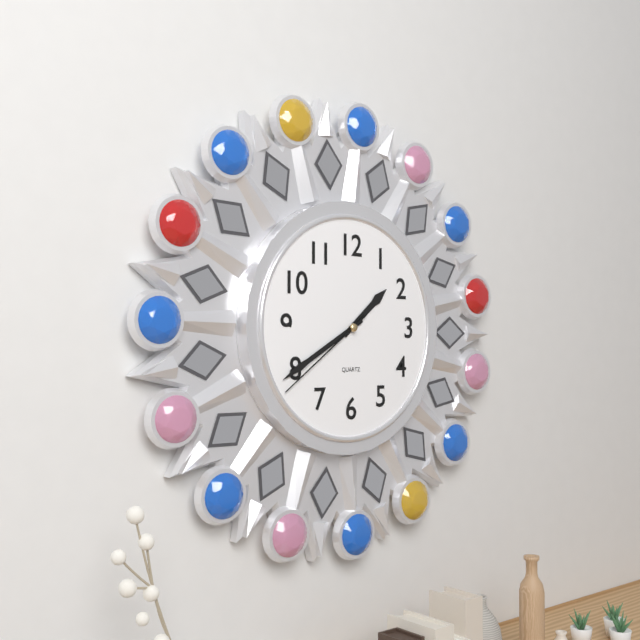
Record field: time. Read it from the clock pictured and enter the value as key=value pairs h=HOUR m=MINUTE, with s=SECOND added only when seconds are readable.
h=1 m=40 s=39
